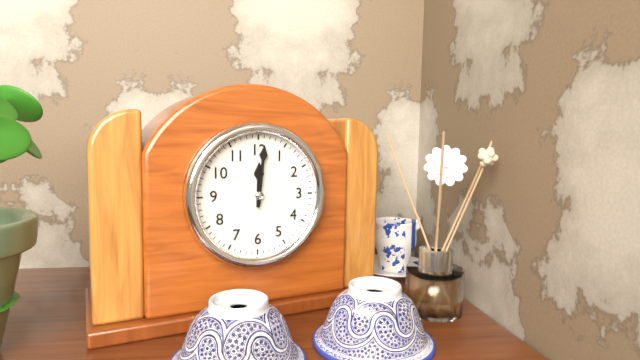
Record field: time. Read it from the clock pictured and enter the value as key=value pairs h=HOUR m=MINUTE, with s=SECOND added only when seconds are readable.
h=12 m=1
